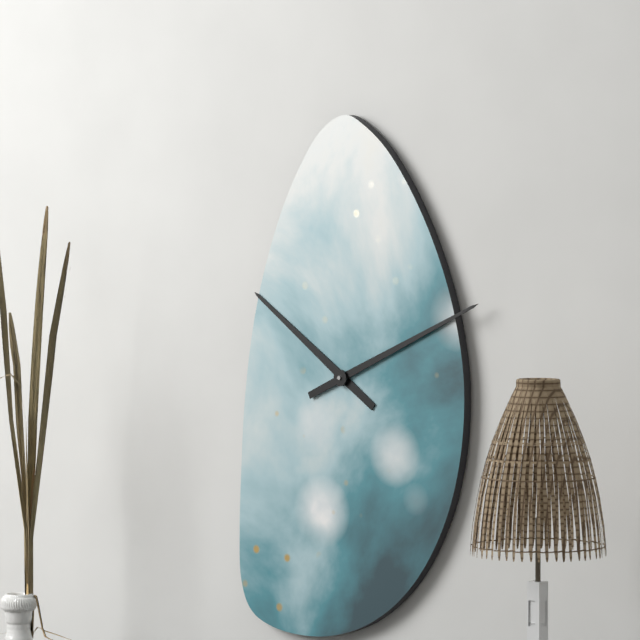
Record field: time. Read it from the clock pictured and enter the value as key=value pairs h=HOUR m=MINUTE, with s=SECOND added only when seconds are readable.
h=10 m=11
